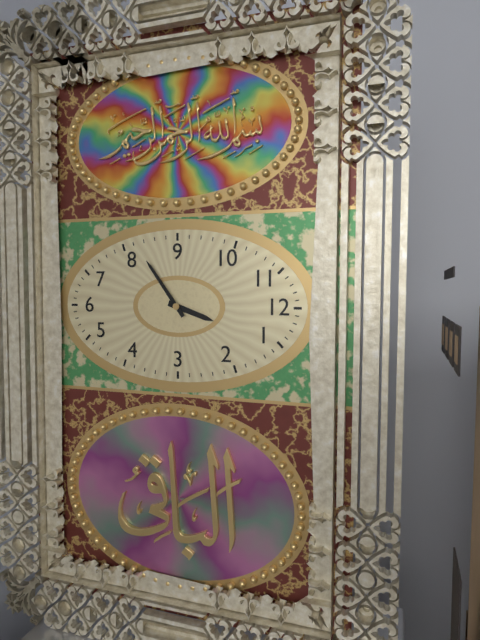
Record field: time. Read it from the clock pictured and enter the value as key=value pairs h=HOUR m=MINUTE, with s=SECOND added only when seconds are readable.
h=12 m=39
